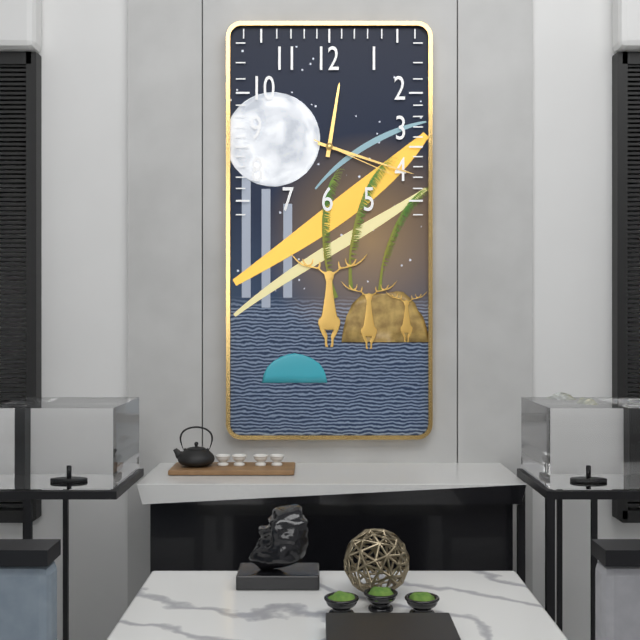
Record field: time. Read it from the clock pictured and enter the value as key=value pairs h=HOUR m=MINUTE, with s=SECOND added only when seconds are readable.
h=12 m=18 s=19
